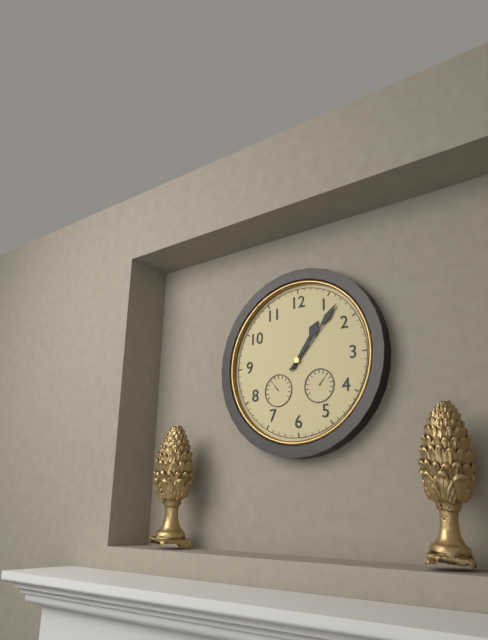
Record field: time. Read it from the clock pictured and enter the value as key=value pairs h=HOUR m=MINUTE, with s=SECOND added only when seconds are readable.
h=1 m=7
